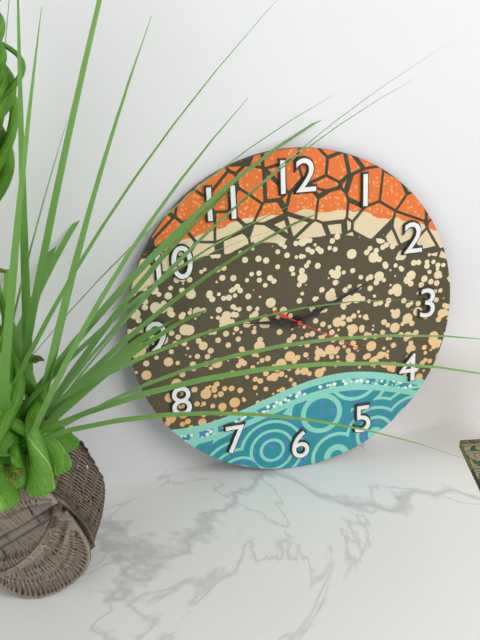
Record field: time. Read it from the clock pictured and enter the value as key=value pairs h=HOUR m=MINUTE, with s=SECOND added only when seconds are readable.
h=9 m=11 s=20
